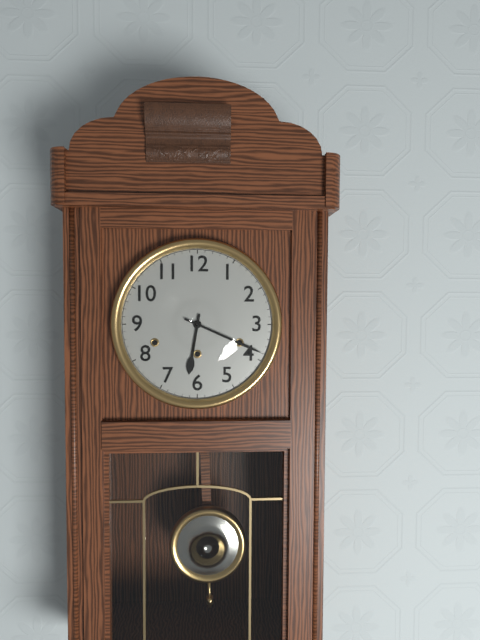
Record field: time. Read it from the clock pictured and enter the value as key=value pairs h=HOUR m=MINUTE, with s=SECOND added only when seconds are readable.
h=6 m=19
